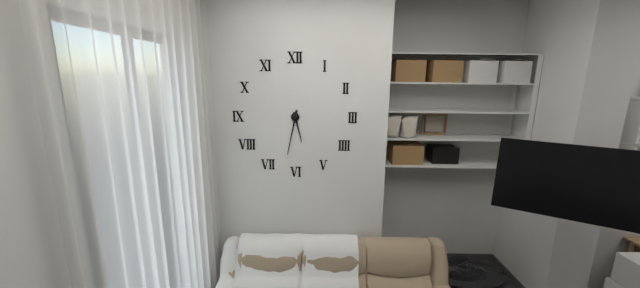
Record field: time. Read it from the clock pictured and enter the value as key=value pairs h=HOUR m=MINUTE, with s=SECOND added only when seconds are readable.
h=5 m=32
